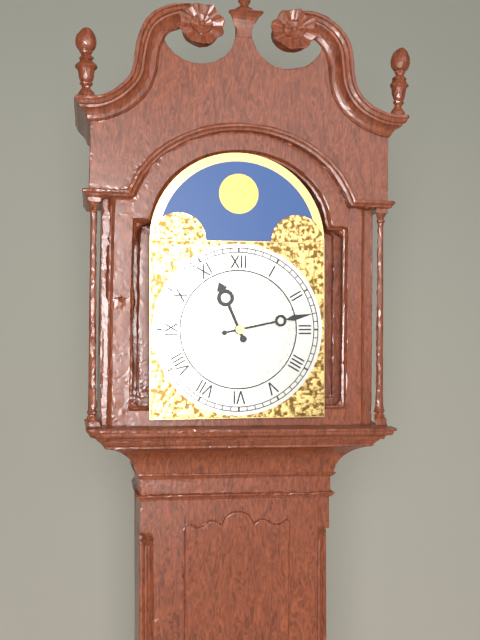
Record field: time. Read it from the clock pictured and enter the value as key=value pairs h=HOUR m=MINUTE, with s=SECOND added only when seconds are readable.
h=11 m=13
